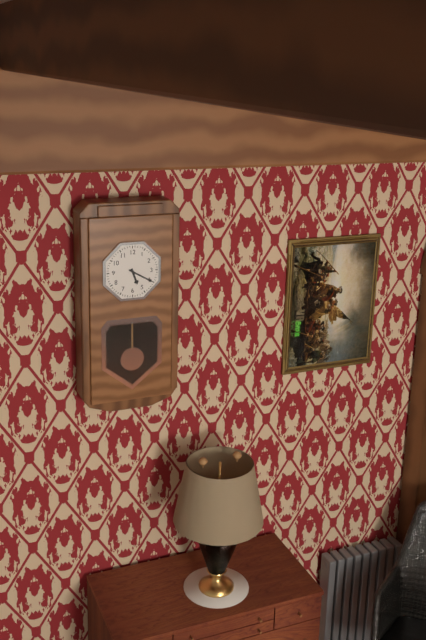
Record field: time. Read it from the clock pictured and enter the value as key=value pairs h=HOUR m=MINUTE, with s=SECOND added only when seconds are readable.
h=5 m=20
